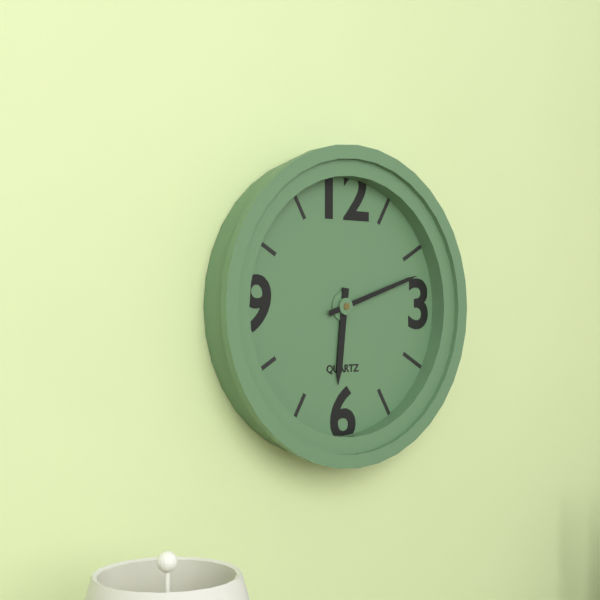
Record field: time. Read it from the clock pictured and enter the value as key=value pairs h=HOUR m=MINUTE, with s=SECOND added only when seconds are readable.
h=6 m=12
